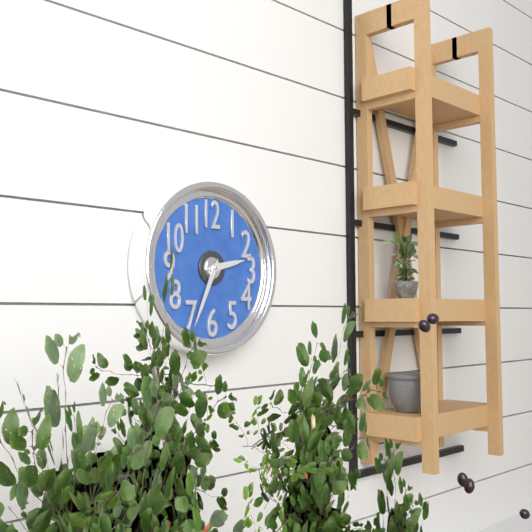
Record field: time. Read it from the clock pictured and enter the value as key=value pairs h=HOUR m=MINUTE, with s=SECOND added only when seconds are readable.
h=2 m=34
